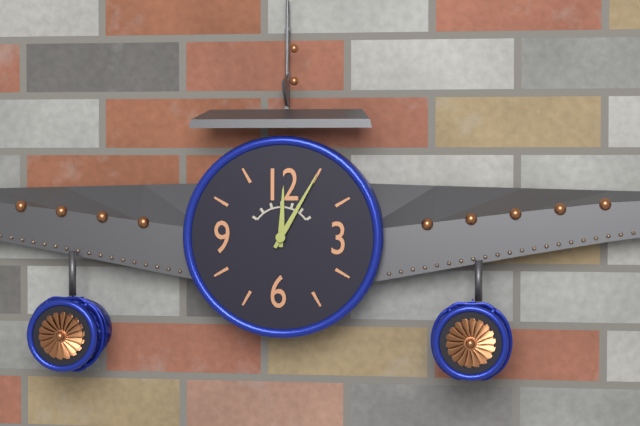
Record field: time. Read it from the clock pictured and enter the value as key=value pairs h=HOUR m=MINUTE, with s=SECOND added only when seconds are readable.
h=12 m=5
